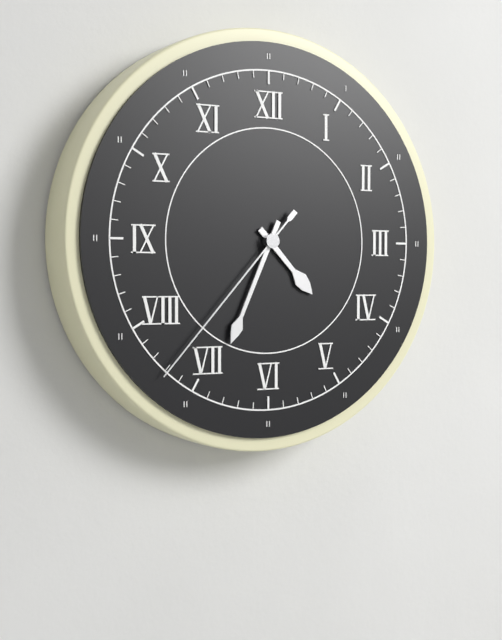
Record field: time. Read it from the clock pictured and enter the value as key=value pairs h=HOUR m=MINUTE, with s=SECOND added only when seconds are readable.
h=4 m=34 s=37
